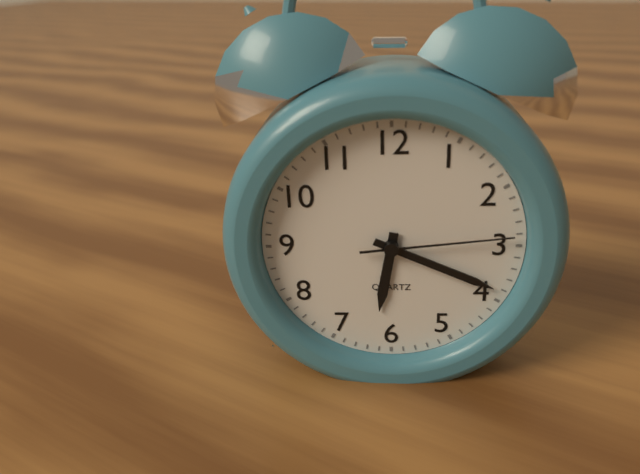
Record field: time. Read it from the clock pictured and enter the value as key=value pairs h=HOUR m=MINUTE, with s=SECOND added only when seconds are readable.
h=6 m=19 s=14
